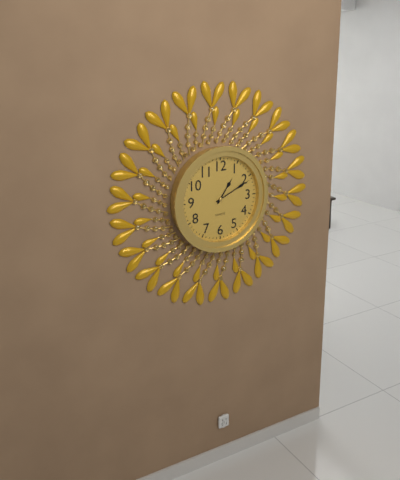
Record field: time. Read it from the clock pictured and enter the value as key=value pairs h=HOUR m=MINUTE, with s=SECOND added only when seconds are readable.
h=1 m=11
